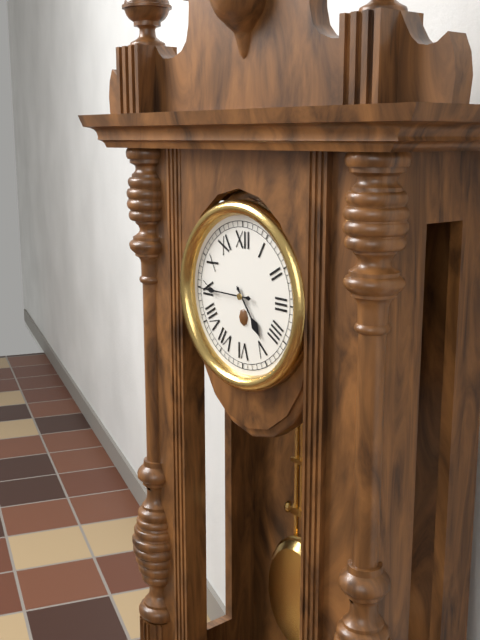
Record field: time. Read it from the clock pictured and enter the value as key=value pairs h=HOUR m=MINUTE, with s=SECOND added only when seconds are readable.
h=4 m=45
